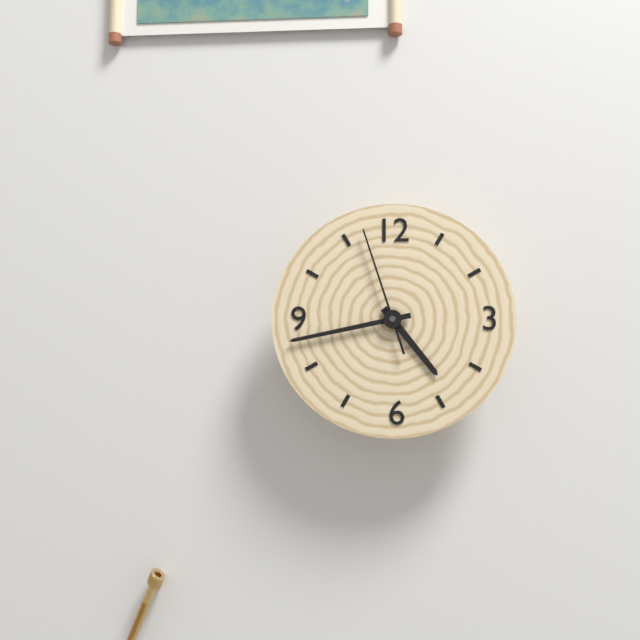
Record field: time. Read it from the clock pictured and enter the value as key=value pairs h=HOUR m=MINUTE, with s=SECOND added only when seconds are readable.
h=4 m=43 s=57
